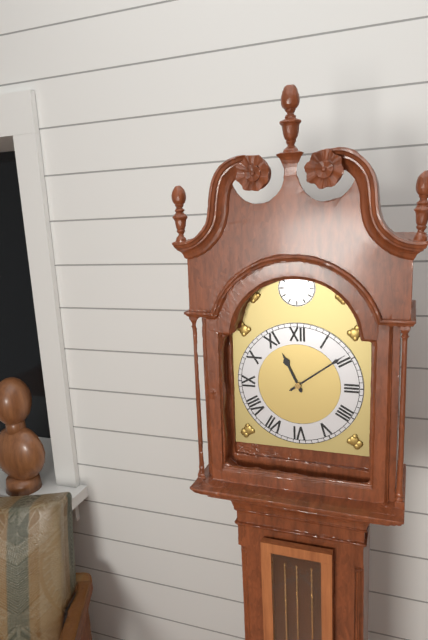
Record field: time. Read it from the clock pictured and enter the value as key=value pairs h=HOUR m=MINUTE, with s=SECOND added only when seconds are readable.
h=11 m=9
